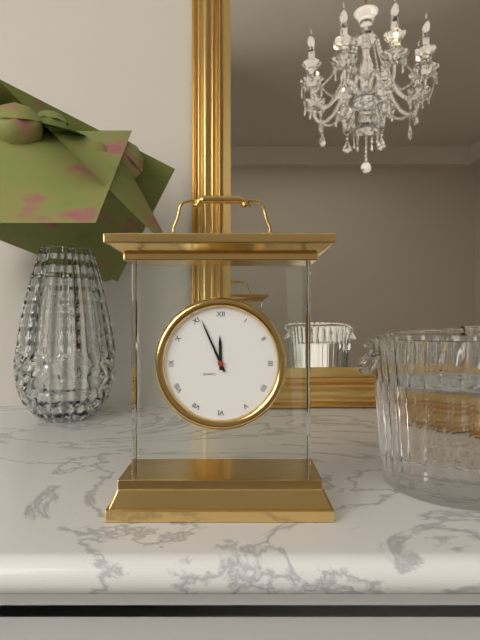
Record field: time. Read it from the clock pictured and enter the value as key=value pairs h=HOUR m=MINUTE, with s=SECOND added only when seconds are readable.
h=11 m=56
